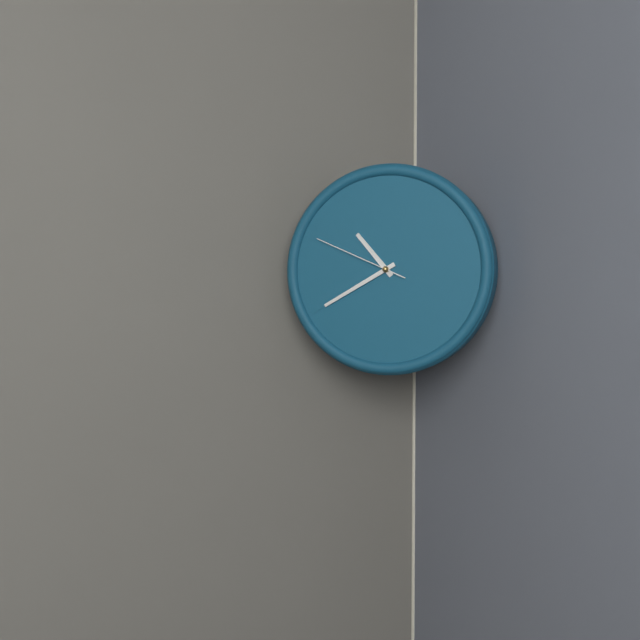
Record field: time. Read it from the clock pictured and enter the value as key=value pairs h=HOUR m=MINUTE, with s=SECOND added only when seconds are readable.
h=10 m=40 s=49
